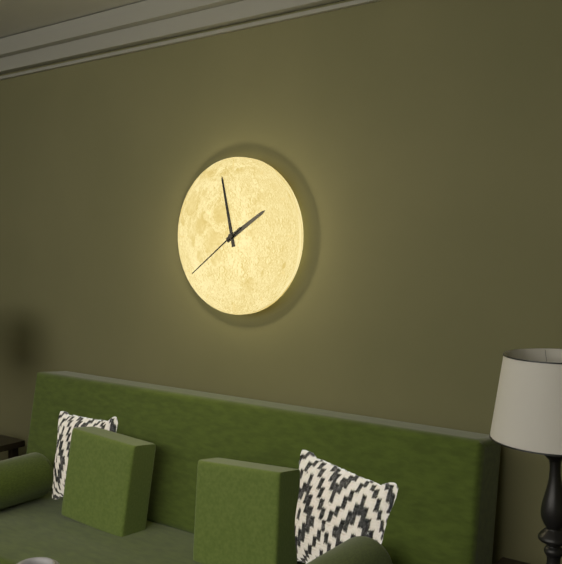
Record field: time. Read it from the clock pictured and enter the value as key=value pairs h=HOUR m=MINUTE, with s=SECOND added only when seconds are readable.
h=1 m=58 s=39
